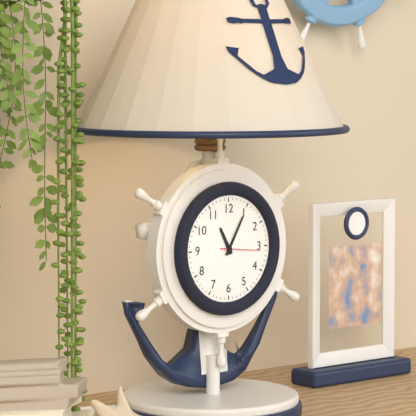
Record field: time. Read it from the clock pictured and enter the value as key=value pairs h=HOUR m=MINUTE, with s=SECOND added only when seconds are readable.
h=11 m=5
